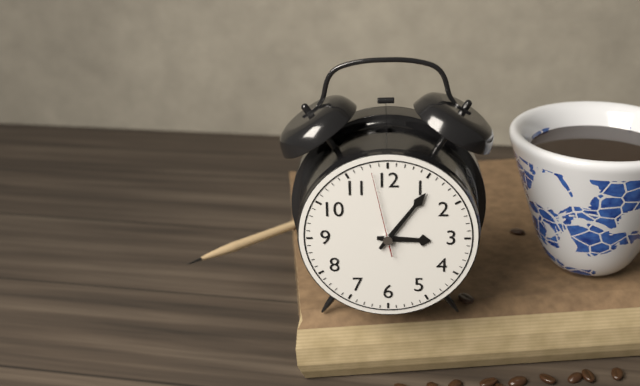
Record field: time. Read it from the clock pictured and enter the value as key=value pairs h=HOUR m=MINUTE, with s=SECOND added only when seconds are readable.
h=3 m=6 s=58
